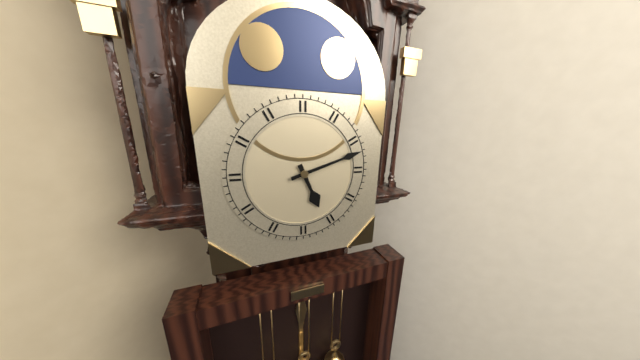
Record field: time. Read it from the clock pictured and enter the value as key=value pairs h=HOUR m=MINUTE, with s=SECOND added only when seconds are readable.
h=5 m=12
